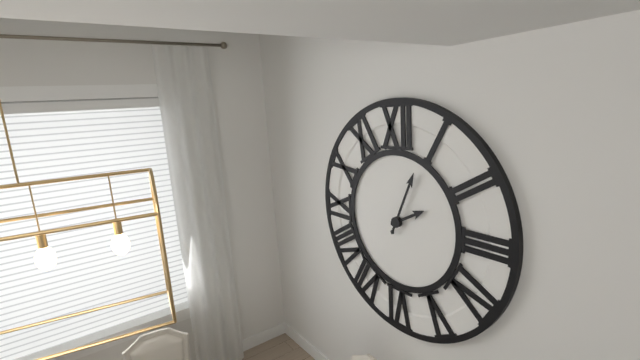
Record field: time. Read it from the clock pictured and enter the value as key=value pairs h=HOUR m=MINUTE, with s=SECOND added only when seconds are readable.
h=2 m=4
